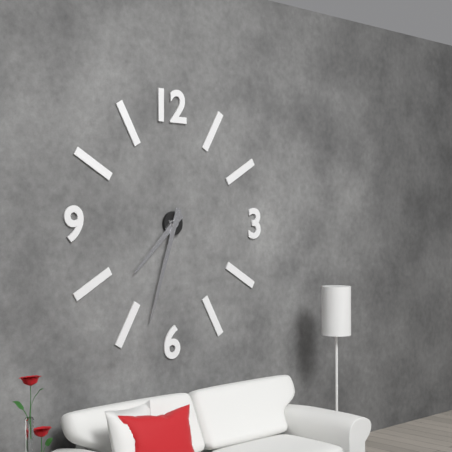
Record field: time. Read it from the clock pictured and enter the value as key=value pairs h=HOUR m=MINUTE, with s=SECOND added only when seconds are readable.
h=7 m=33
